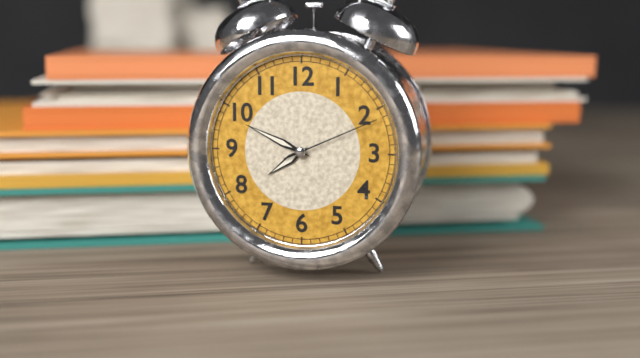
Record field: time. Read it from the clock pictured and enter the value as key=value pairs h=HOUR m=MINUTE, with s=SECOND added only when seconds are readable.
h=7 m=49 s=11
